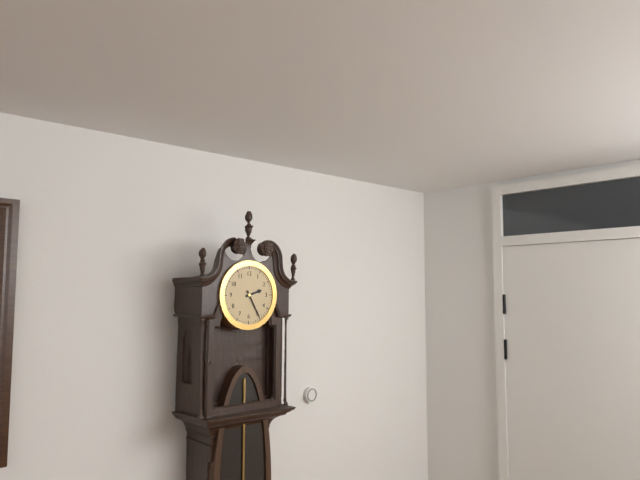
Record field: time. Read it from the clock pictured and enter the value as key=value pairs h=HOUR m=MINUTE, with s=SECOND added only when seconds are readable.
h=2 m=25
